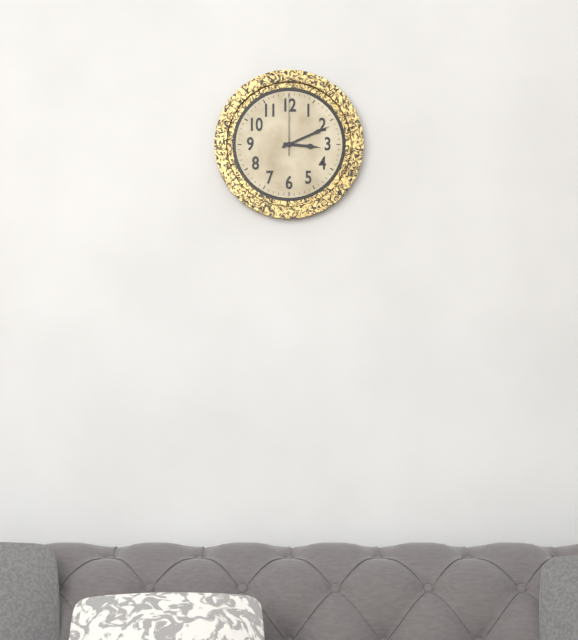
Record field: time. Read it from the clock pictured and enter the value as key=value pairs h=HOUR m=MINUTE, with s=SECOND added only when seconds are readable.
h=3 m=11 s=0
